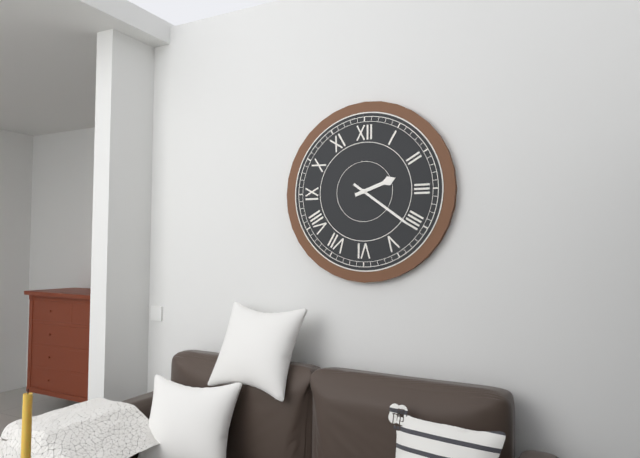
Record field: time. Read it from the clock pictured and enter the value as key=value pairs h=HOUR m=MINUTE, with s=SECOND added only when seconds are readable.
h=2 m=21
